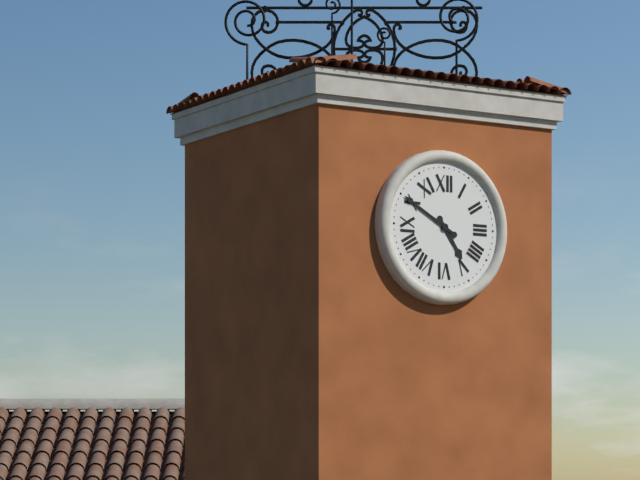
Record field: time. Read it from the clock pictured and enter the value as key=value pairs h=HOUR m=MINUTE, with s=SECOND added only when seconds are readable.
h=4 m=50
